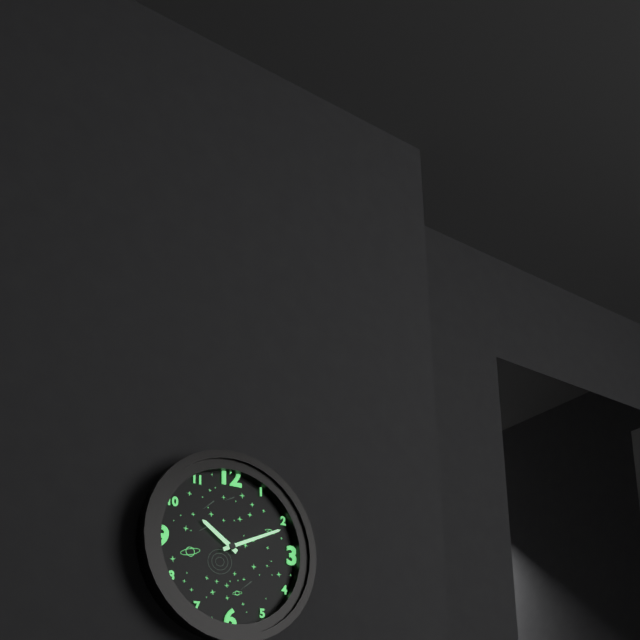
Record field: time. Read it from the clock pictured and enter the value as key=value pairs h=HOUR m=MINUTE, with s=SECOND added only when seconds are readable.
h=10 m=11
